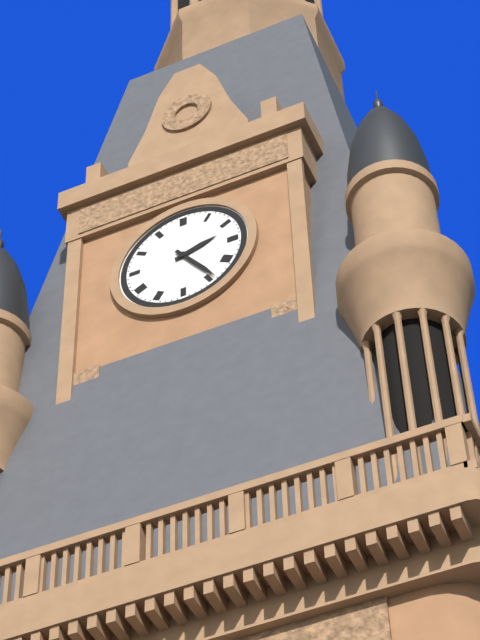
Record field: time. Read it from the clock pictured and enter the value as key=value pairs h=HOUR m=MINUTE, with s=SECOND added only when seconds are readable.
h=2 m=24
